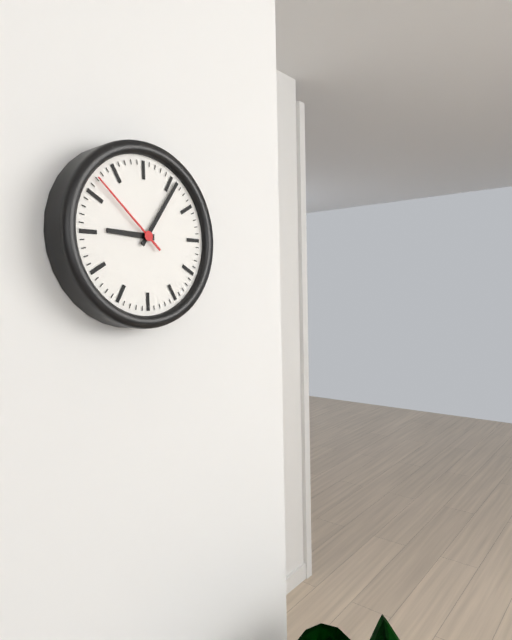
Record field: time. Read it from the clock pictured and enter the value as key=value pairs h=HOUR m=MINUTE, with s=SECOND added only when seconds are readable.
h=9 m=6 s=52
